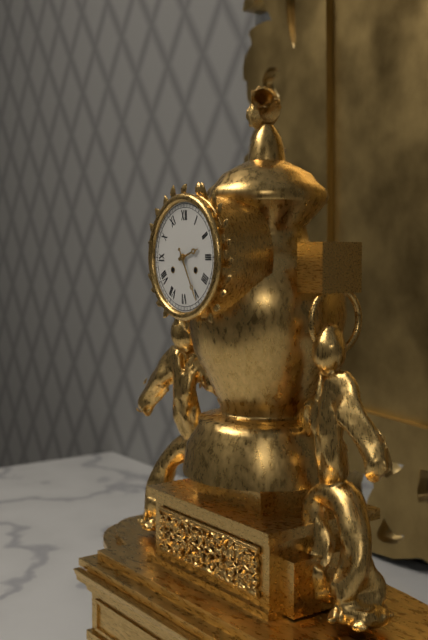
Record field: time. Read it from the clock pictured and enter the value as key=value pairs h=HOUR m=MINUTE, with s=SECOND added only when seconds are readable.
h=2 m=25
